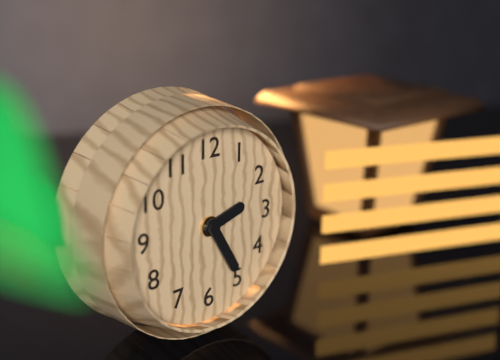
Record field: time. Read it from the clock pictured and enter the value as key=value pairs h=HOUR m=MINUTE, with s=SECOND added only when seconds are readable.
h=2 m=25
